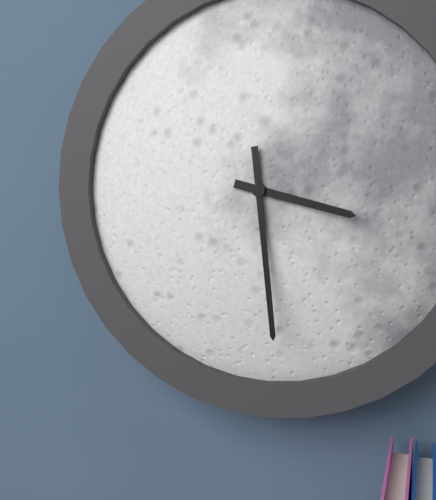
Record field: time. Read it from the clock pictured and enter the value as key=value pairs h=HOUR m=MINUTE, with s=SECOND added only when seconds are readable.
h=3 m=29
